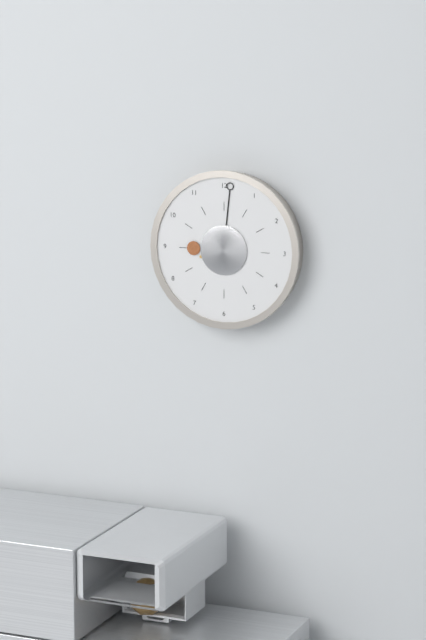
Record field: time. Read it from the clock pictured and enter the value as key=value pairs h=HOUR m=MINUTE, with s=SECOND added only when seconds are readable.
h=9 m=1
